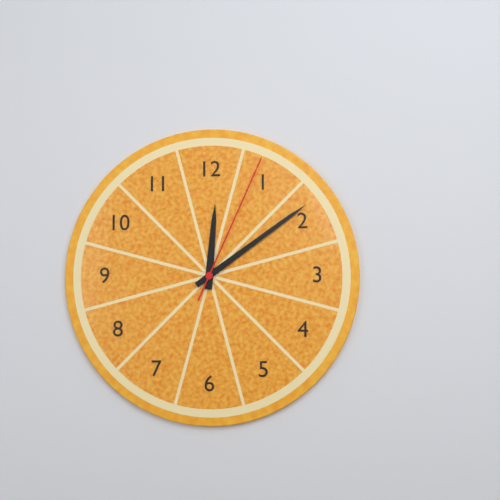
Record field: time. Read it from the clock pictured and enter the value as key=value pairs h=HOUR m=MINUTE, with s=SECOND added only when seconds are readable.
h=12 m=9 s=4
